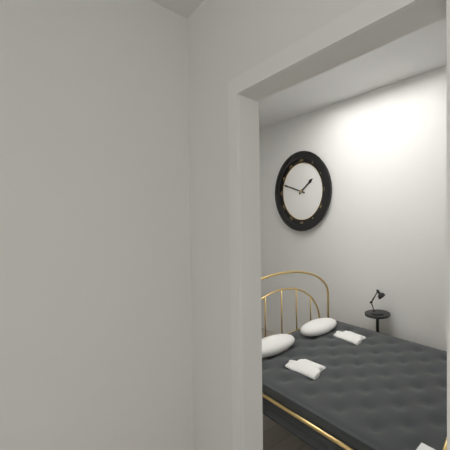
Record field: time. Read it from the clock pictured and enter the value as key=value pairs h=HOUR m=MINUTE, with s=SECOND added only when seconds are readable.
h=1 m=48
